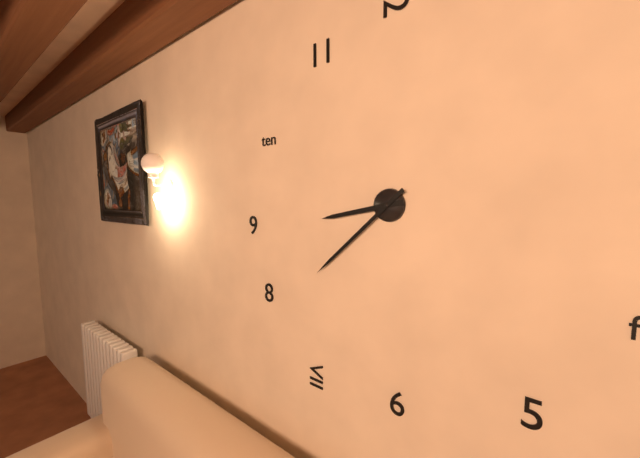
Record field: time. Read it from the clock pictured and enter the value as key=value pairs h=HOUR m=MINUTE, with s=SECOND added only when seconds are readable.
h=8 m=38
